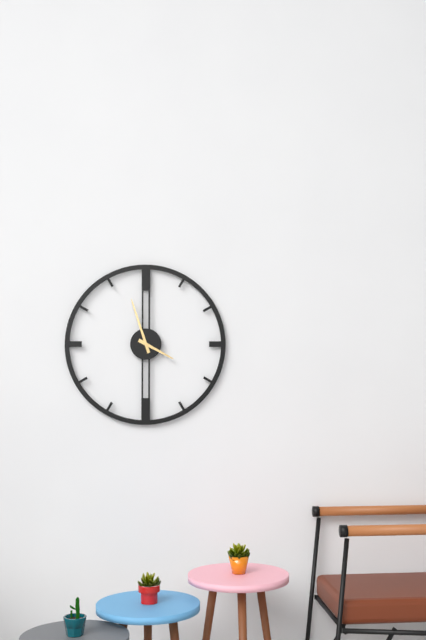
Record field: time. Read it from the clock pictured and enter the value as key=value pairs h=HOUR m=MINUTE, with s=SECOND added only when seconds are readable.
h=3 m=57
